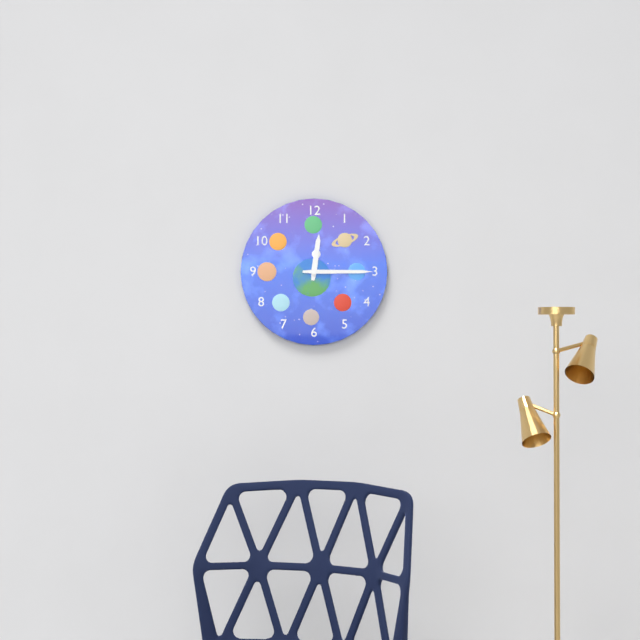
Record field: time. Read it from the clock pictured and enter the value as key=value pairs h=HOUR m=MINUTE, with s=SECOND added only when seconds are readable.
h=12 m=15
